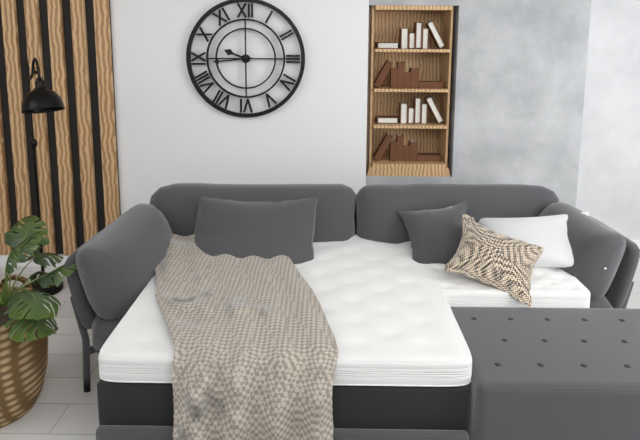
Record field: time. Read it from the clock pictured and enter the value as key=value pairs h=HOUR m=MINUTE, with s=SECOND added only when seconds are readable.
h=9 m=44
